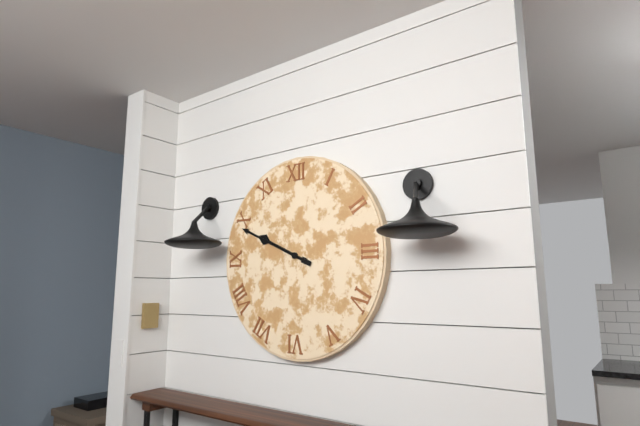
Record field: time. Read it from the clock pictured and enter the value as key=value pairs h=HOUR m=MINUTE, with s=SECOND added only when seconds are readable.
h=9 m=49
